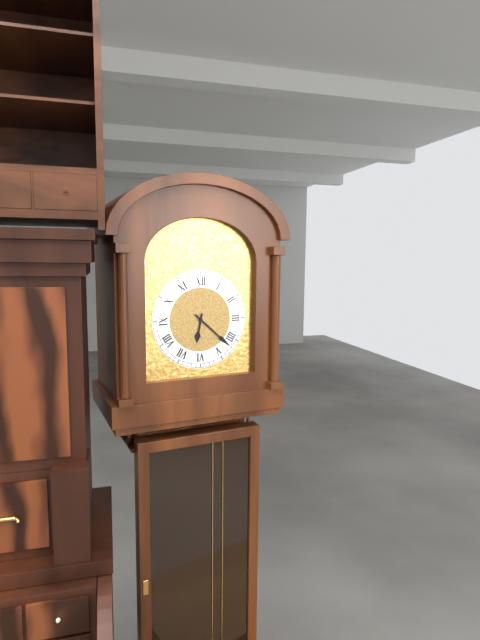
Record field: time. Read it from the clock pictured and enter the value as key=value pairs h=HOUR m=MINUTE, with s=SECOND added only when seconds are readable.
h=6 m=22
